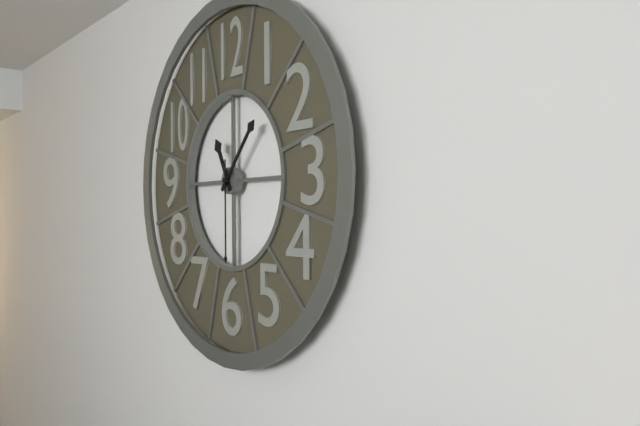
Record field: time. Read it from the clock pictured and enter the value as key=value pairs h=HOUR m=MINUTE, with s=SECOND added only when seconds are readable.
h=11 m=7 s=30
